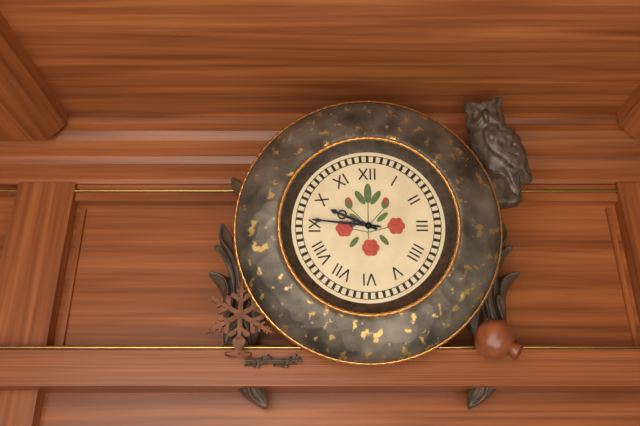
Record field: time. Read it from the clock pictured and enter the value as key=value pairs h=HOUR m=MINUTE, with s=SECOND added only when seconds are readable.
h=9 m=46
